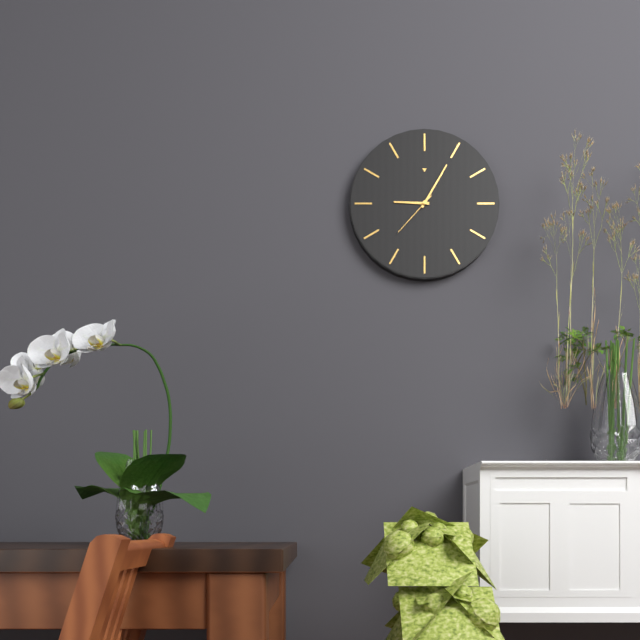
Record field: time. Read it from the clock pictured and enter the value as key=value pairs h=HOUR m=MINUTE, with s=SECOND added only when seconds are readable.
h=9 m=5 s=37
